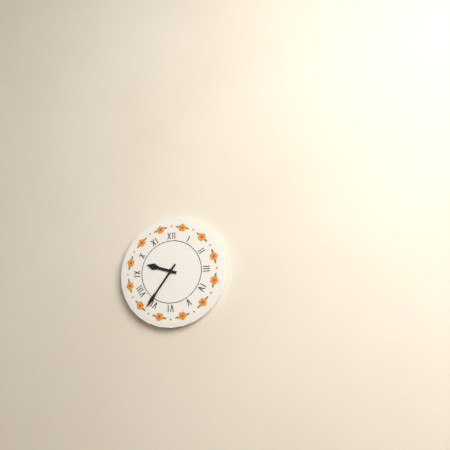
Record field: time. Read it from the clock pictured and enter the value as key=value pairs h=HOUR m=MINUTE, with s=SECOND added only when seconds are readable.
h=9 m=36
